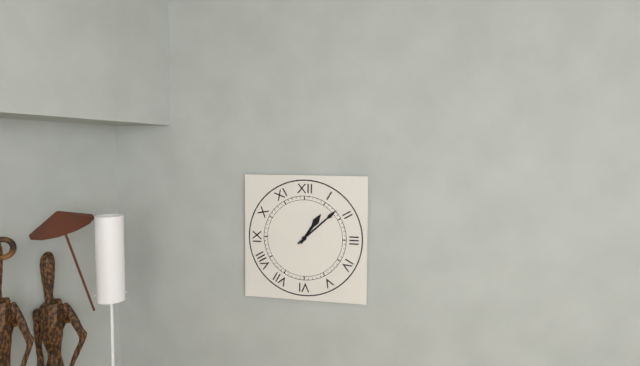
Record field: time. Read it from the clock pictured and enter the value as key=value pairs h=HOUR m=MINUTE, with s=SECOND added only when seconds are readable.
h=1 m=8
